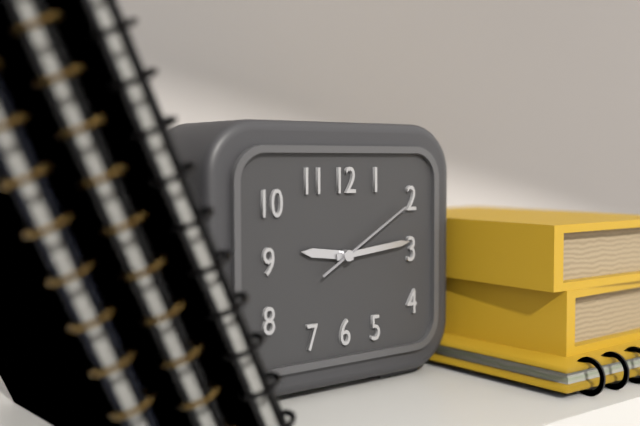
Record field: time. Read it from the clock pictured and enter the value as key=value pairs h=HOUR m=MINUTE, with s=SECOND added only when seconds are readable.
h=9 m=14 s=10
